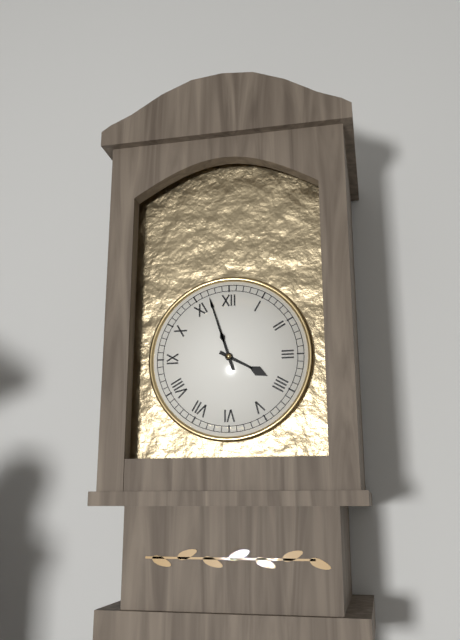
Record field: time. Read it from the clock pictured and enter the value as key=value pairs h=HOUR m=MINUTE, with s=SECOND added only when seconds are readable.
h=3 m=57
